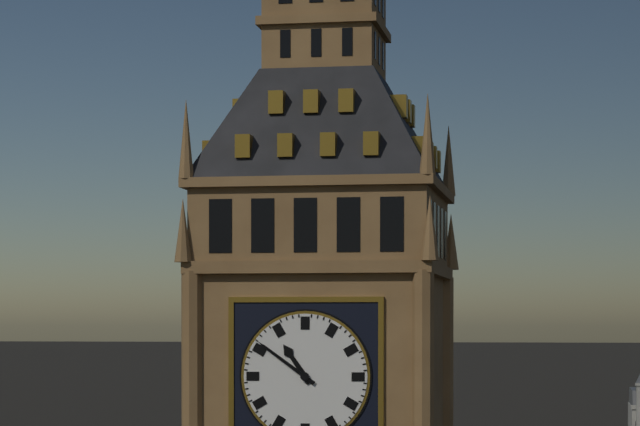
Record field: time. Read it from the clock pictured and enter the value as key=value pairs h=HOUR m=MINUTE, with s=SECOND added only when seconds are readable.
h=10 m=51
